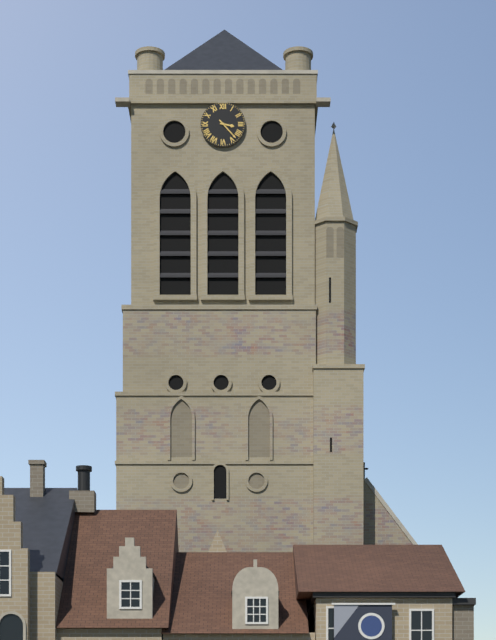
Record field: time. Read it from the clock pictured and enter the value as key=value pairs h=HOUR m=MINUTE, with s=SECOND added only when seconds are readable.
h=3 m=23
